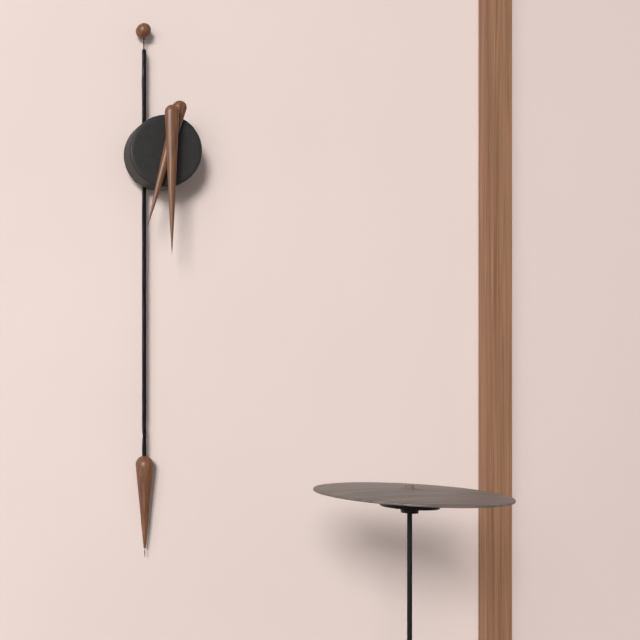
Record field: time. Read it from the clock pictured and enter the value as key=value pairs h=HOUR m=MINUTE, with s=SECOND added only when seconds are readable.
h=6 m=30
